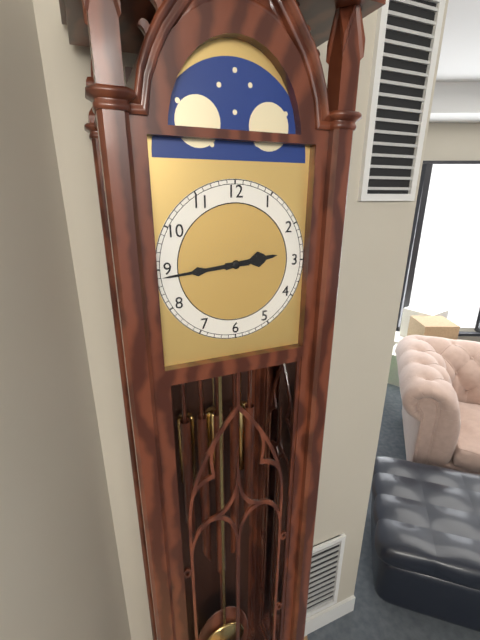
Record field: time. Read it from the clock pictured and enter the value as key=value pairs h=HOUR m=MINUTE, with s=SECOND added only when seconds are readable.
h=2 m=44
